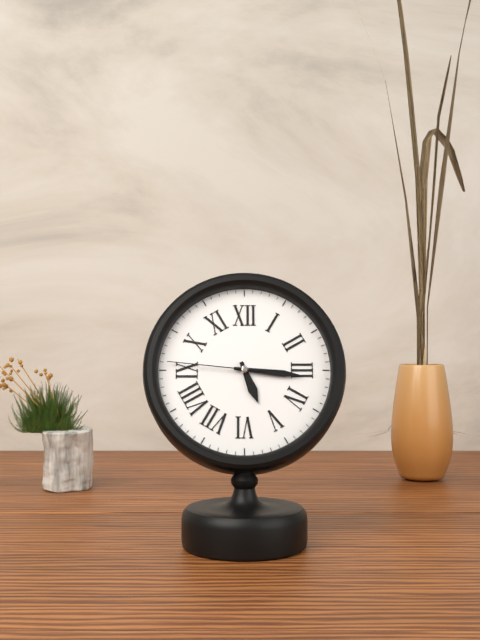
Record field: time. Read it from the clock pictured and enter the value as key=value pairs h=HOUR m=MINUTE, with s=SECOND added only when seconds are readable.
h=5 m=16 s=46
